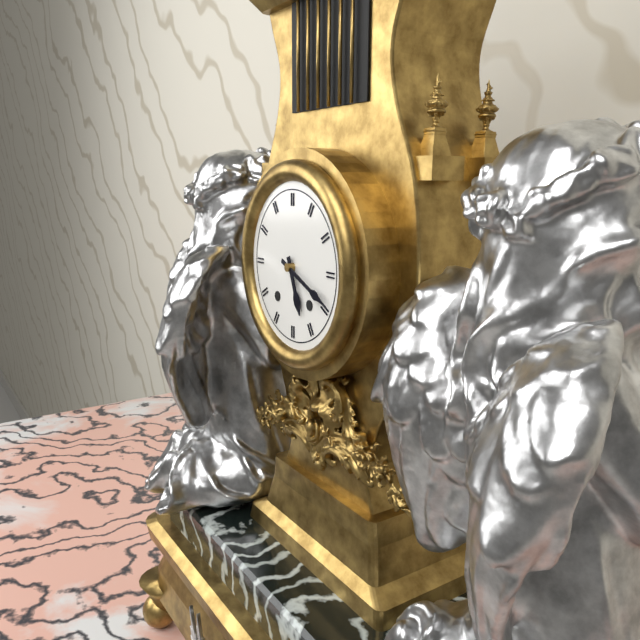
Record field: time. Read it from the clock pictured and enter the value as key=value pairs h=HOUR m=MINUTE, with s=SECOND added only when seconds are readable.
h=5 m=19
